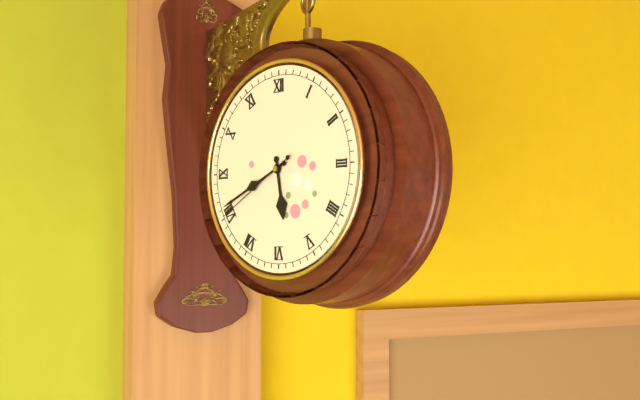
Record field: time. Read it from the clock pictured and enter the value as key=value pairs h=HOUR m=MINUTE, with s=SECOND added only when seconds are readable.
h=5 m=41 s=40
